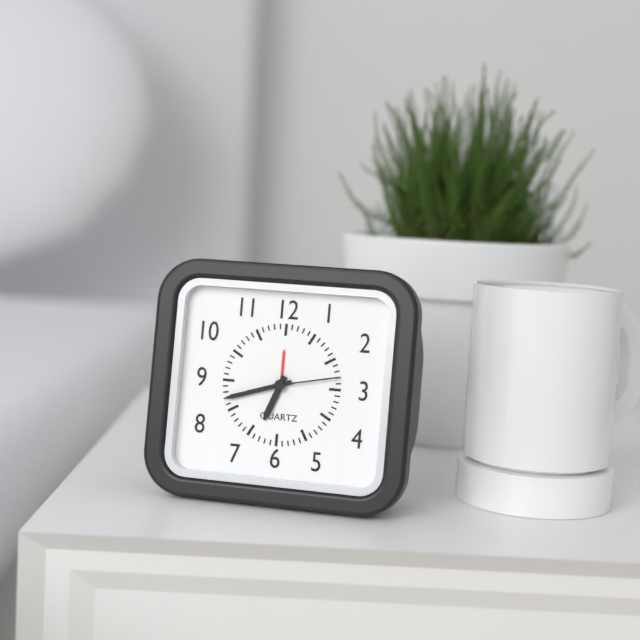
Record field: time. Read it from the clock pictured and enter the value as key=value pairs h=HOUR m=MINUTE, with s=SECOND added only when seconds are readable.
h=6 m=42 s=13
